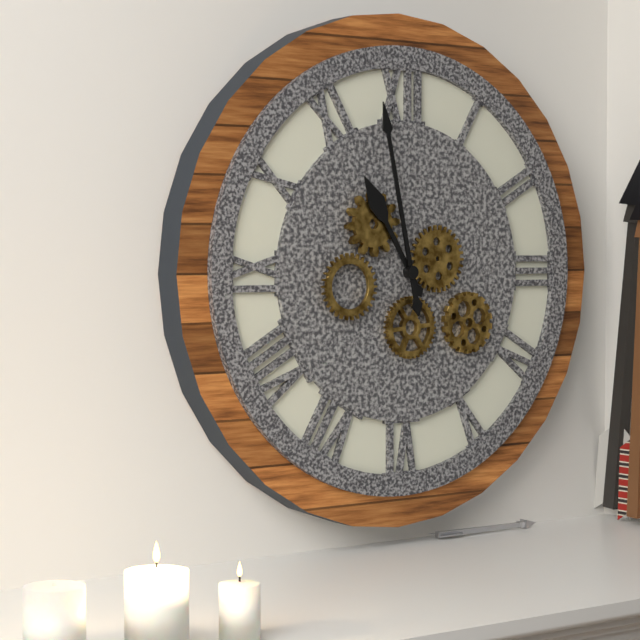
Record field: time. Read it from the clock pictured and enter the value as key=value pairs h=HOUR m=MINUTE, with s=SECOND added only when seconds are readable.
h=10 m=58
